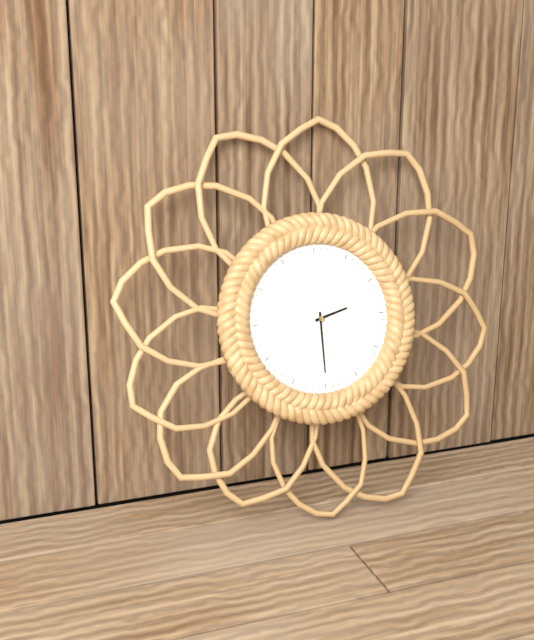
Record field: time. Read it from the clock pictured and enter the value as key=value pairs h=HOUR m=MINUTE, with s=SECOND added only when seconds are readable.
h=2 m=30
